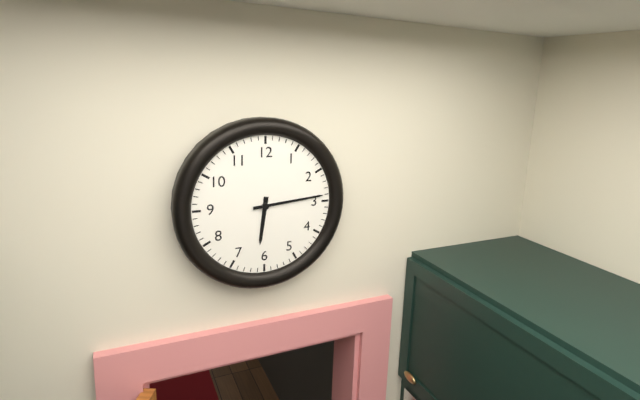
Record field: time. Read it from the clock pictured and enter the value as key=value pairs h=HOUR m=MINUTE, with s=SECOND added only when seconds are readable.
h=6 m=14
